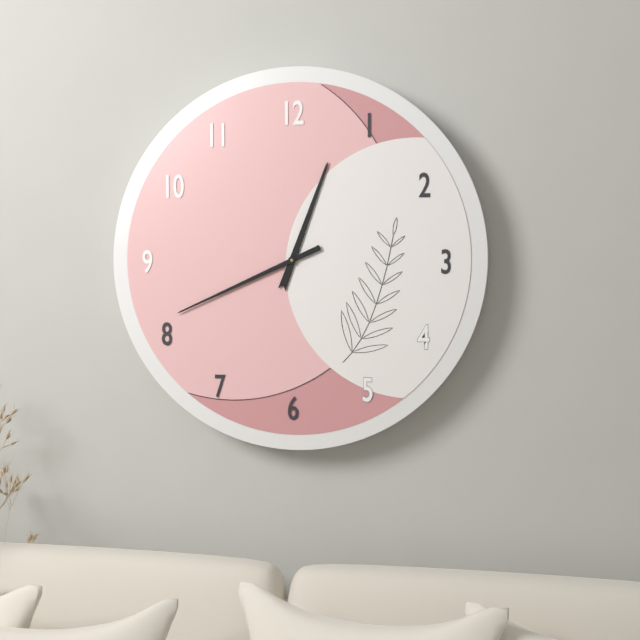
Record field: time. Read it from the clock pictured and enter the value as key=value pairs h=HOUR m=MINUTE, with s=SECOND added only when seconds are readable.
h=12 m=41
